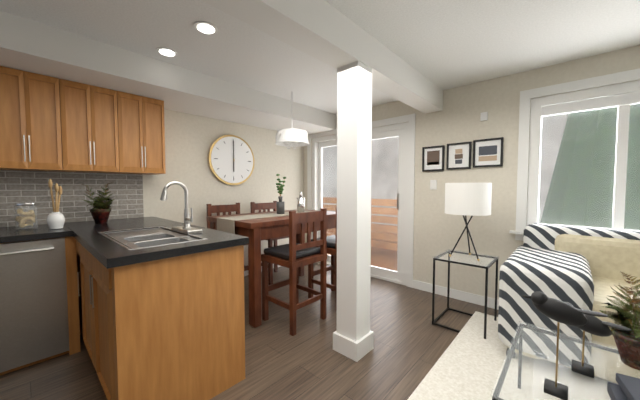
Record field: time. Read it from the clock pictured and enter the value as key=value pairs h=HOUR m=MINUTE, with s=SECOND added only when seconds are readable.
h=6 m=0
